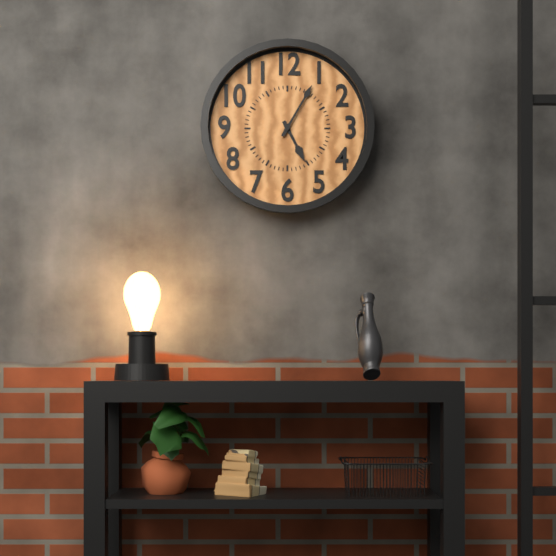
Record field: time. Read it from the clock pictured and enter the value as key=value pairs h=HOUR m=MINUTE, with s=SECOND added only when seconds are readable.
h=5 m=5
